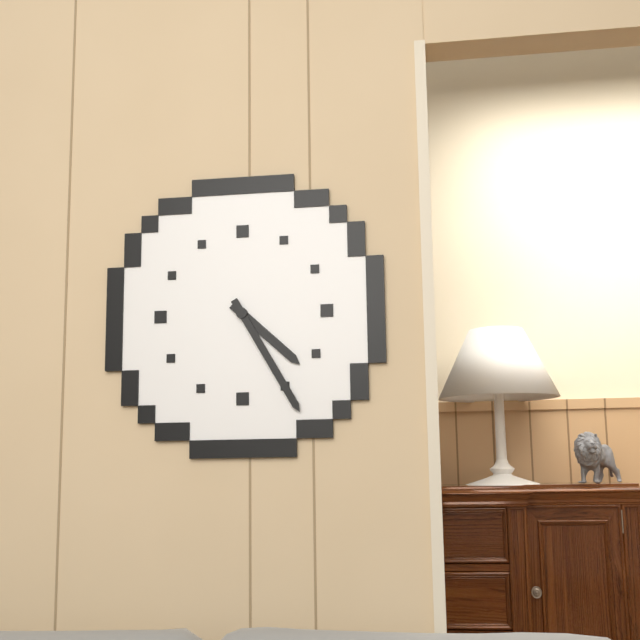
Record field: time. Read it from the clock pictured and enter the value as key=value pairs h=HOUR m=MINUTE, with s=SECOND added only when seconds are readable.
h=4 m=25
